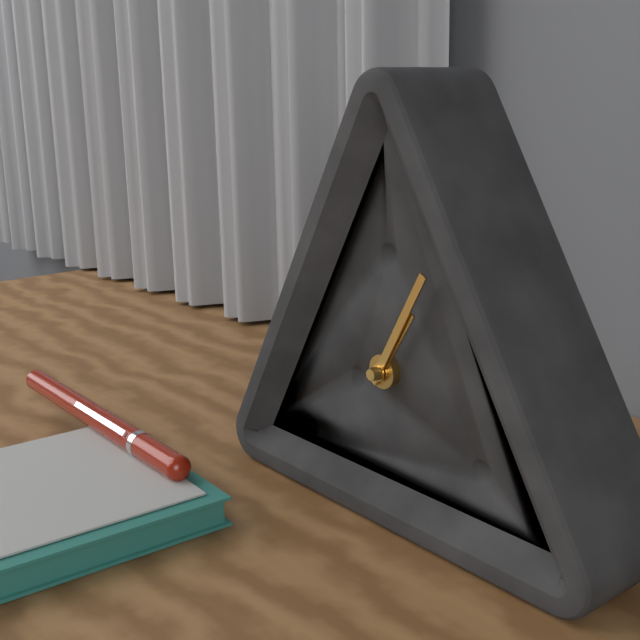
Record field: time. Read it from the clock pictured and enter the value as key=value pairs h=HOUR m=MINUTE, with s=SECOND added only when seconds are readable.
h=1 m=5
